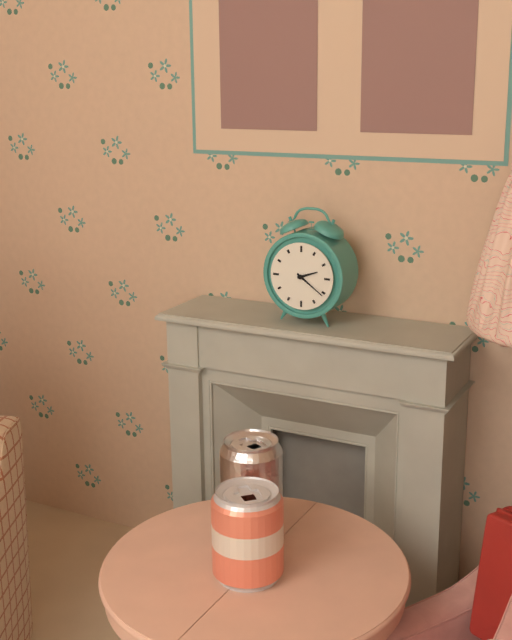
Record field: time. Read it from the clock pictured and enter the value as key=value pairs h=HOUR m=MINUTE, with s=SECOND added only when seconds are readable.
h=2 m=21
